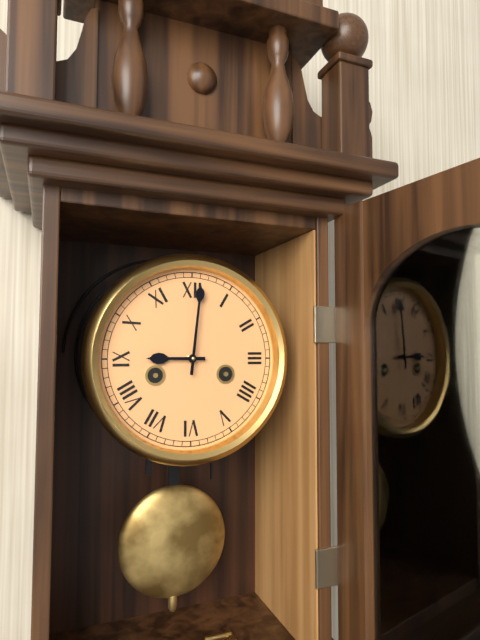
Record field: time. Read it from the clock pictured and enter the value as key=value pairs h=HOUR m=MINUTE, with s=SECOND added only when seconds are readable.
h=9 m=1
